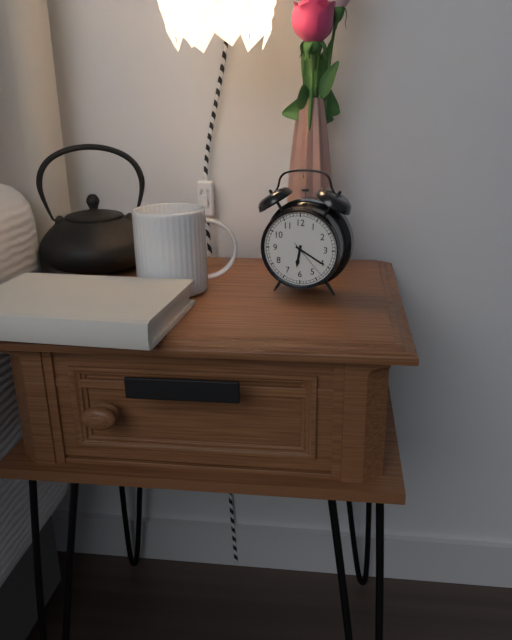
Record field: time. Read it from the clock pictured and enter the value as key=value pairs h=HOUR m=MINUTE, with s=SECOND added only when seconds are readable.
h=6 m=20
